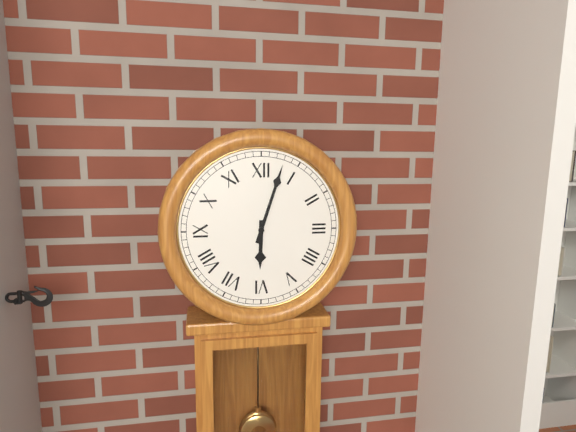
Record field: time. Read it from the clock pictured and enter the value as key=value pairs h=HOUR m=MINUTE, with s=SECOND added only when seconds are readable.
h=6 m=3
